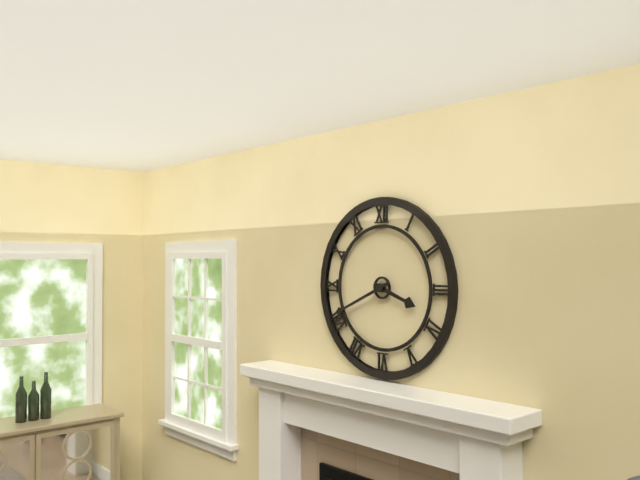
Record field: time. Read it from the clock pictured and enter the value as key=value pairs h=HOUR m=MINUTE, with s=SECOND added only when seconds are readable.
h=3 m=41
